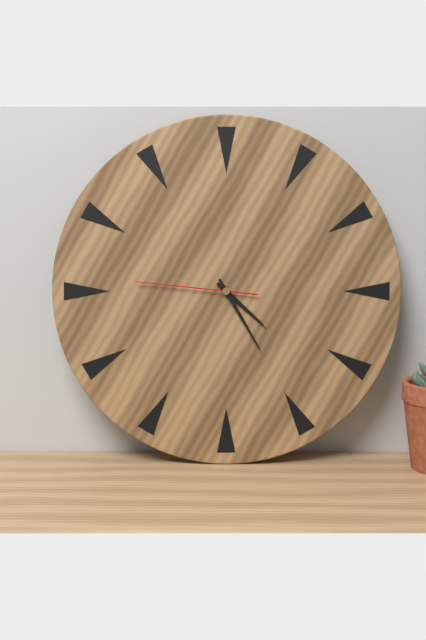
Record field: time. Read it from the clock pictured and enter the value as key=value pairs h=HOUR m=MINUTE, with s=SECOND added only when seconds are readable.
h=4 m=25 s=46
